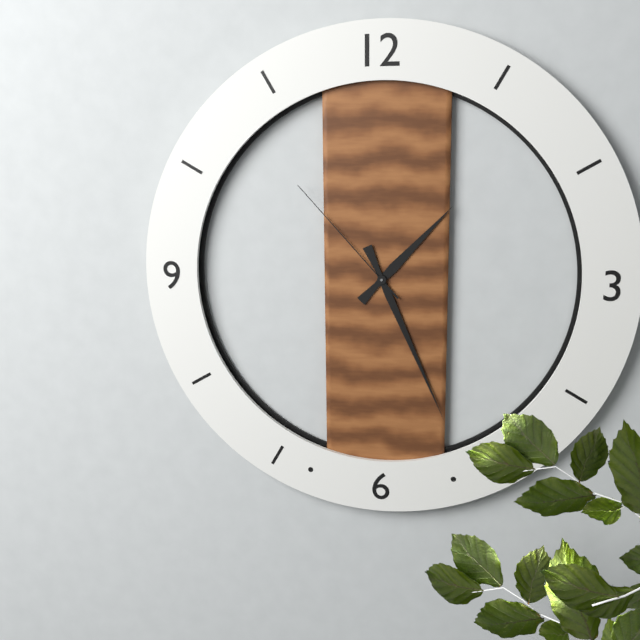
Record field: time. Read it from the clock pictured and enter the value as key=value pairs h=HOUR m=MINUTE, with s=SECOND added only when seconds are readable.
h=1 m=26 s=53
